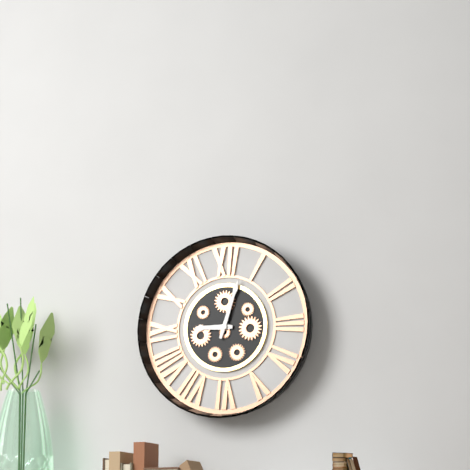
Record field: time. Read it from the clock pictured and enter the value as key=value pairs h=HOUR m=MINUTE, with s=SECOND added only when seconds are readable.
h=9 m=3
